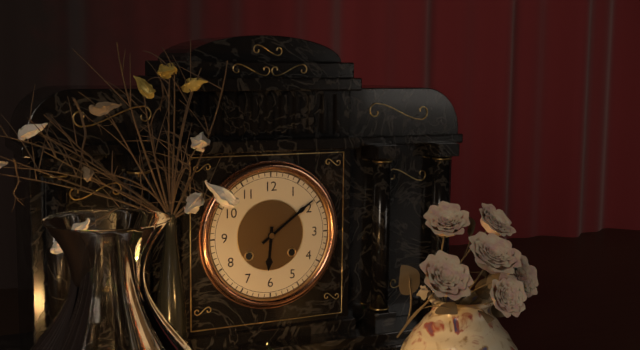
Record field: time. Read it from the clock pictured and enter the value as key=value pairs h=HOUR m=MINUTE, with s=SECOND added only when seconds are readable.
h=6 m=9
